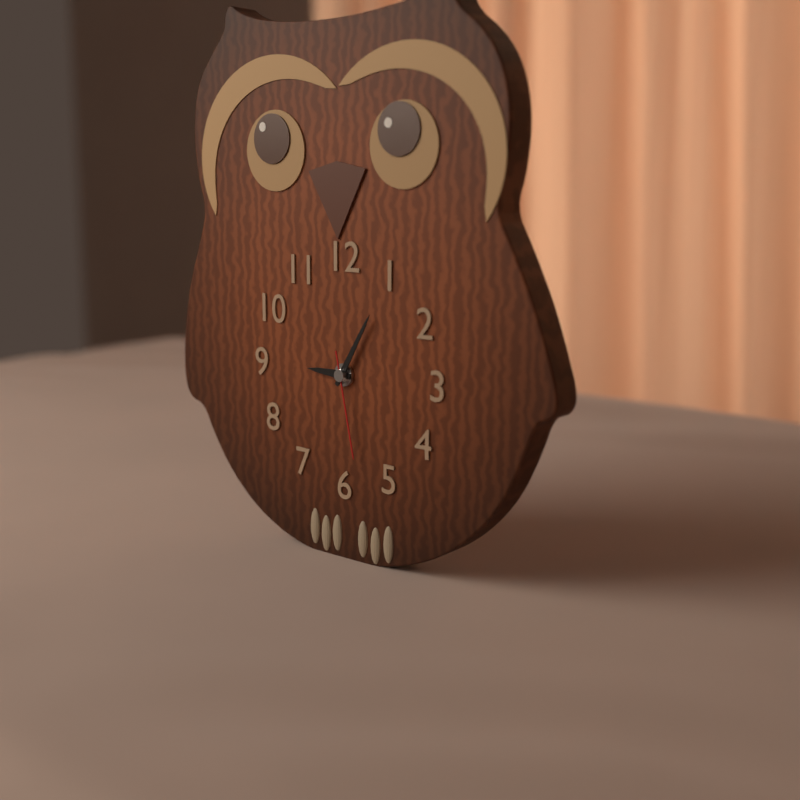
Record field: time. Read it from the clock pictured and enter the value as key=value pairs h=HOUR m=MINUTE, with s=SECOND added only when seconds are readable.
h=9 m=5 s=28
